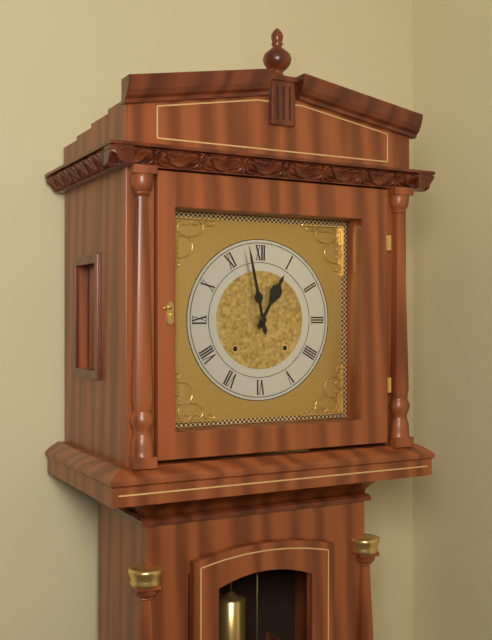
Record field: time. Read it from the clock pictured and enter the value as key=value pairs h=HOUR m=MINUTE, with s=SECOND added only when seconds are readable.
h=12 m=58
